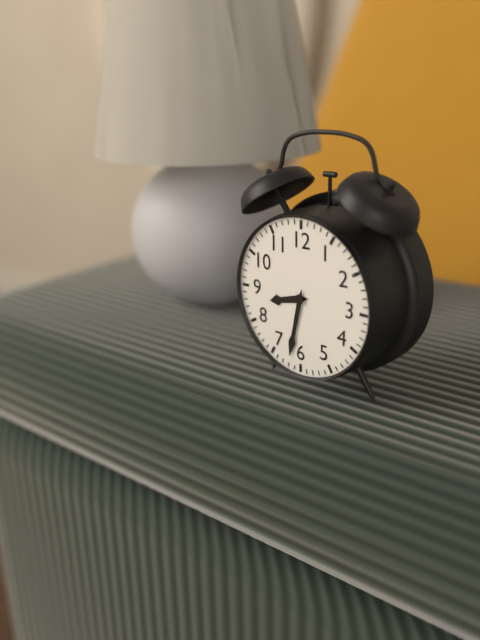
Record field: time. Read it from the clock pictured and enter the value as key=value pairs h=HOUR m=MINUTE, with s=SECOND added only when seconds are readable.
h=8 m=32
